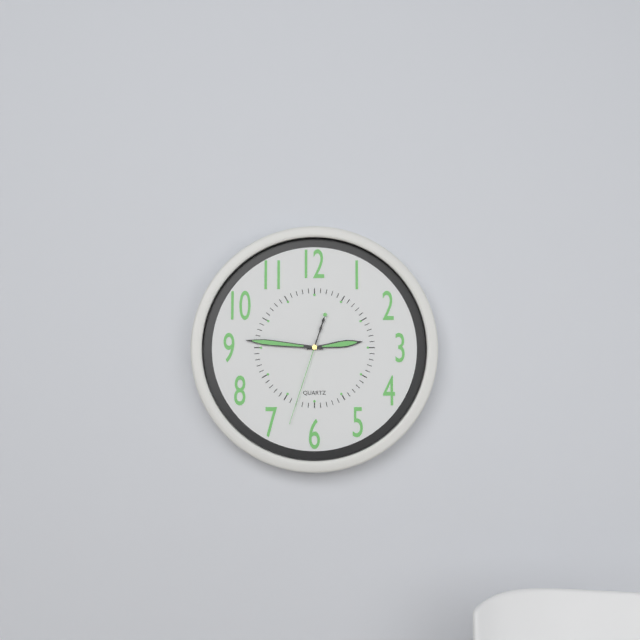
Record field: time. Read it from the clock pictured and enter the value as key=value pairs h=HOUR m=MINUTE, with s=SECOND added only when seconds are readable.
h=2 m=46 s=33
